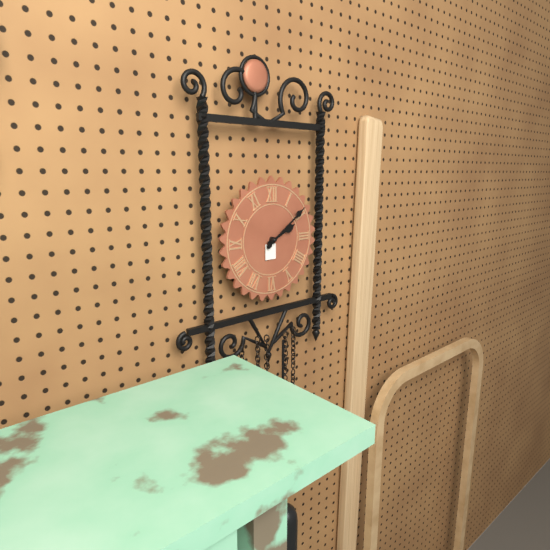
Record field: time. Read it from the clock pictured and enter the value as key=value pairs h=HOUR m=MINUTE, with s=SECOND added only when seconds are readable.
h=2 m=9
